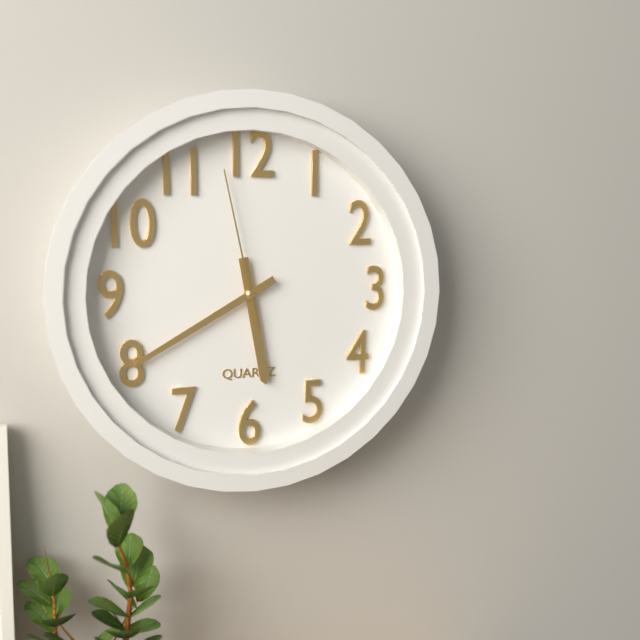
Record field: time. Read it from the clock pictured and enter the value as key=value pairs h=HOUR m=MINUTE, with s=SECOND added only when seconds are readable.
h=5 m=40 s=58
